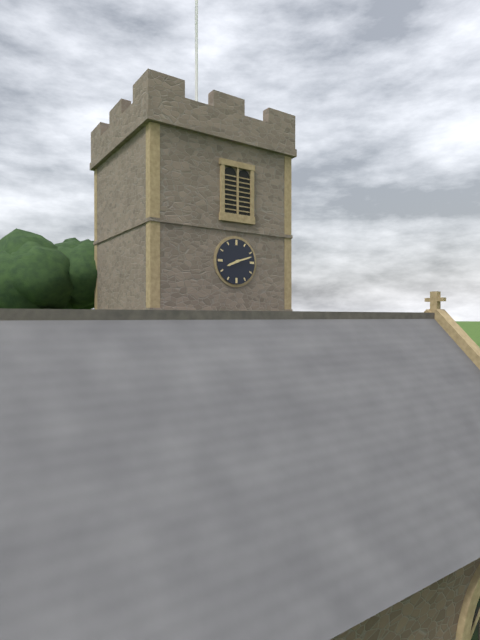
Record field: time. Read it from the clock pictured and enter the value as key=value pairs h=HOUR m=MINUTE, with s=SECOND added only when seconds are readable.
h=8 m=12
